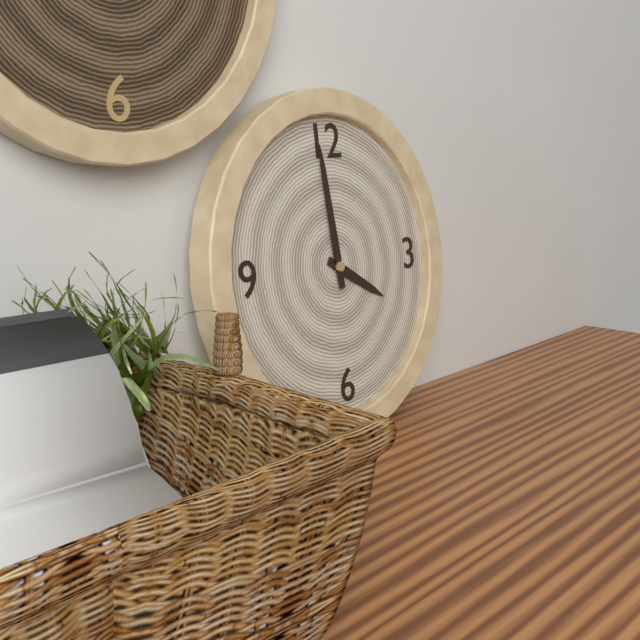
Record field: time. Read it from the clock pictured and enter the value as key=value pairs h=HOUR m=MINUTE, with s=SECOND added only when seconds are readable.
h=3 m=59
